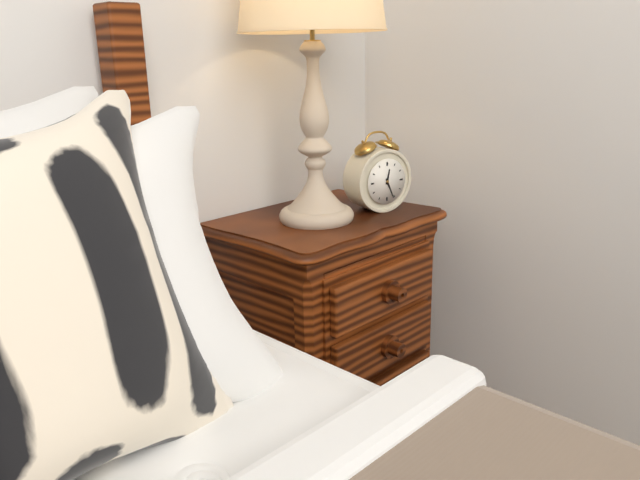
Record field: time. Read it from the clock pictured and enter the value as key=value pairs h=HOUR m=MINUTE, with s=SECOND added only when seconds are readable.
h=12 m=26
